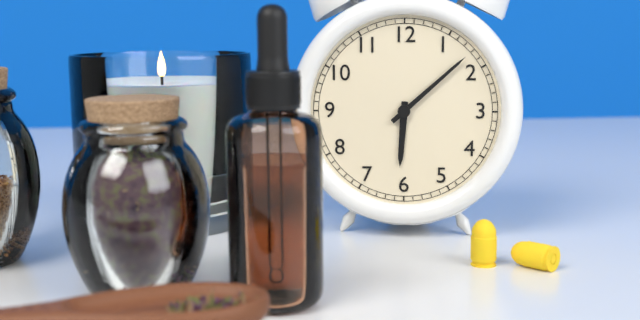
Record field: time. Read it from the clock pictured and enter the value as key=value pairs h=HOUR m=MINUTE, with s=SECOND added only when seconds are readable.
h=6 m=8
